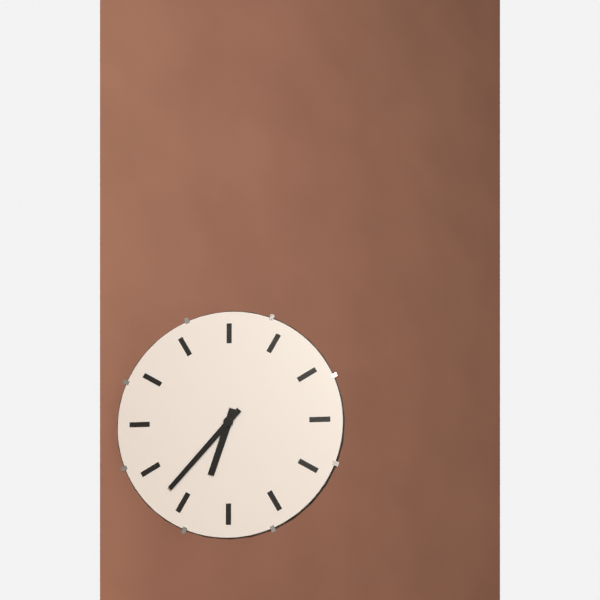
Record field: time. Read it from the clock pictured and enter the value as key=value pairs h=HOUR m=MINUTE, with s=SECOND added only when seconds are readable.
h=6 m=37
